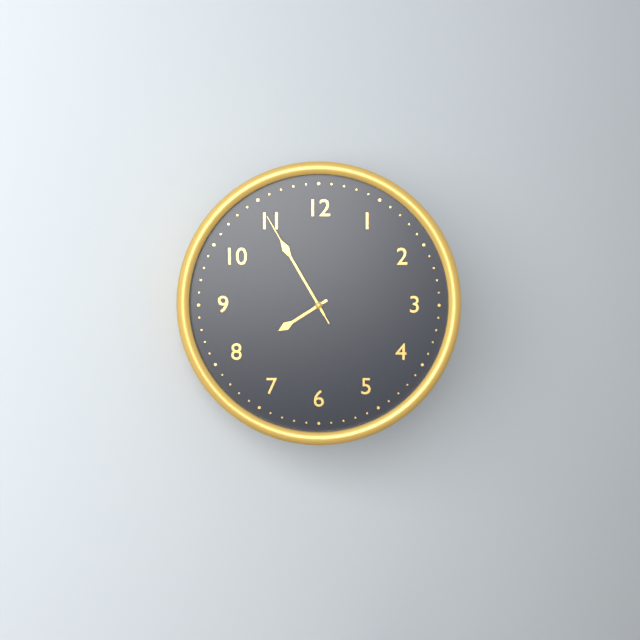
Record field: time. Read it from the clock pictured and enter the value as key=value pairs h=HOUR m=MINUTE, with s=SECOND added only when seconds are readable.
h=7 m=55 s=55
